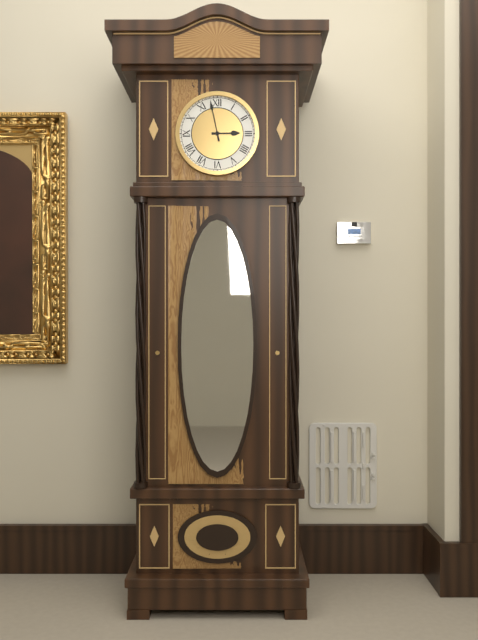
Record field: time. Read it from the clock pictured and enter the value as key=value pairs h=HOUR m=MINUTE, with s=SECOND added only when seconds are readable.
h=2 m=58
